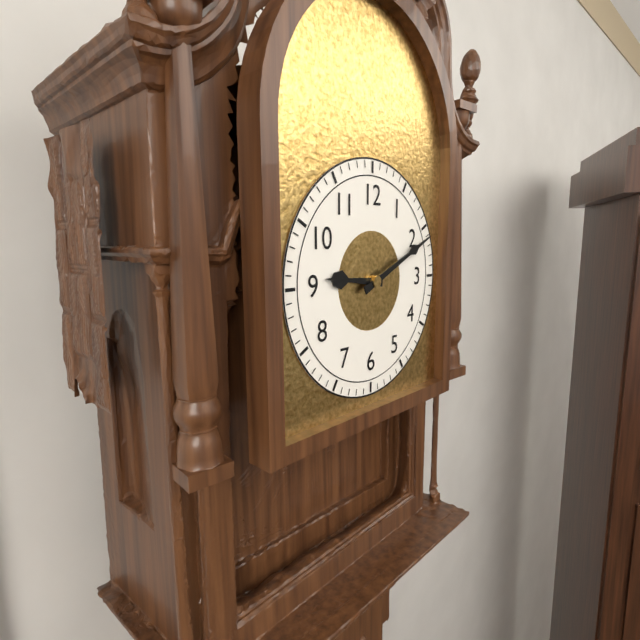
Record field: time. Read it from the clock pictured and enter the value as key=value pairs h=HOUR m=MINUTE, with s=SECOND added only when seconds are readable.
h=9 m=11
